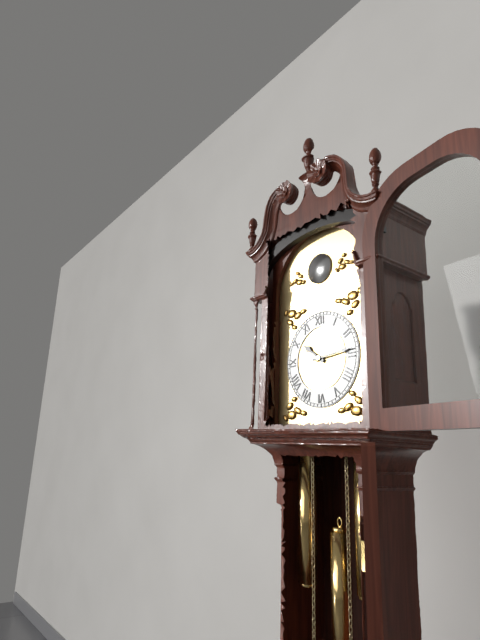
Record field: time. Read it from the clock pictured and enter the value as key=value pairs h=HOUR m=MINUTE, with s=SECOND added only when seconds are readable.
h=10 m=14
